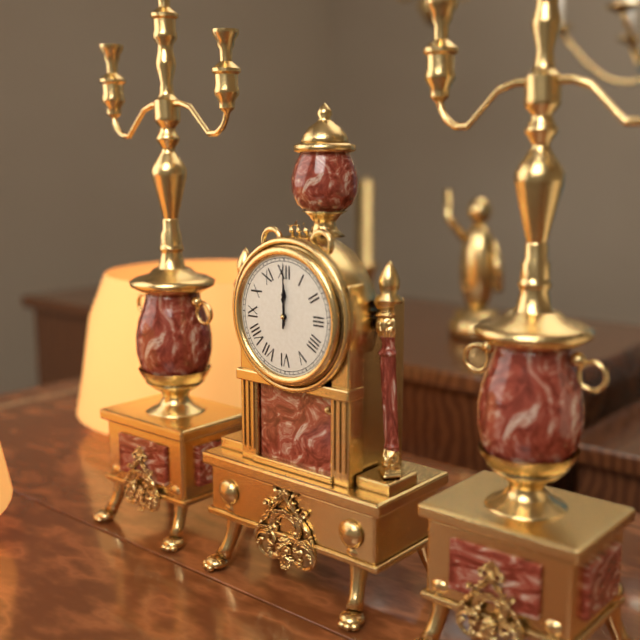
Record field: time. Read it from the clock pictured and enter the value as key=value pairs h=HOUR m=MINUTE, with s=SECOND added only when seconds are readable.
h=12 m=0
